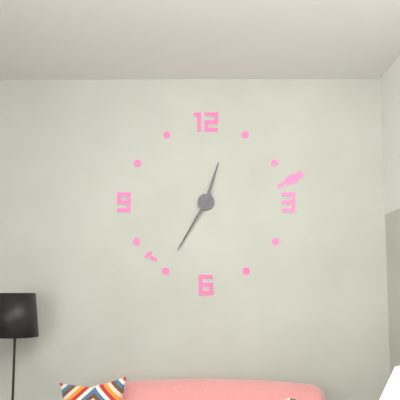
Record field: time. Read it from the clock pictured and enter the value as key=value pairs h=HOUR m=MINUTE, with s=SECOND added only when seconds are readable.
h=12 m=35
